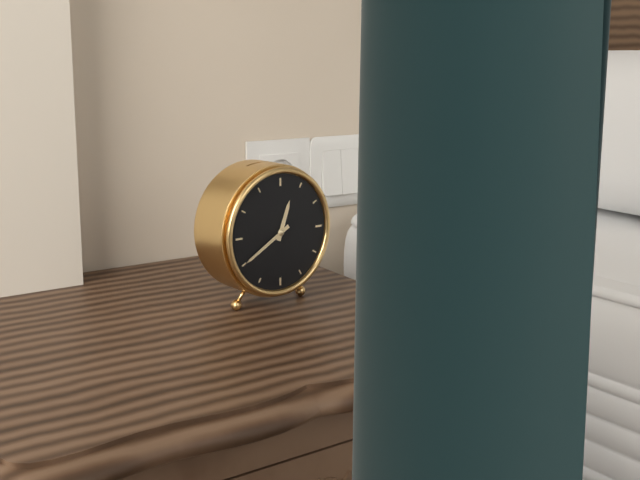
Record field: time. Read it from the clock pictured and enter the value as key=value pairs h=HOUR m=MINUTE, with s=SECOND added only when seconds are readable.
h=12 m=40
